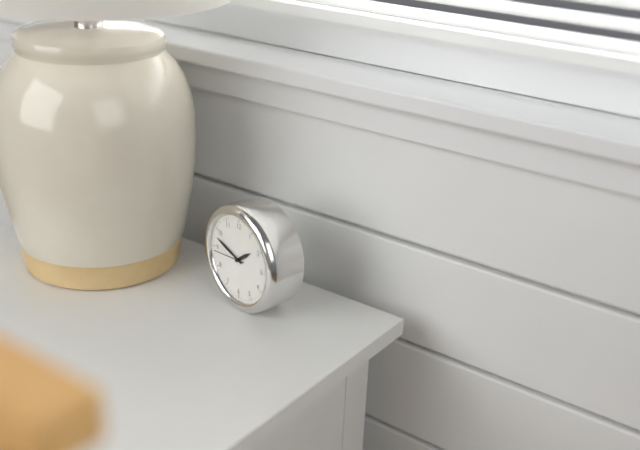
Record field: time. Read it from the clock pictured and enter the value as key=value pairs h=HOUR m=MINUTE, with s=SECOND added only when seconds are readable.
h=1 m=48
